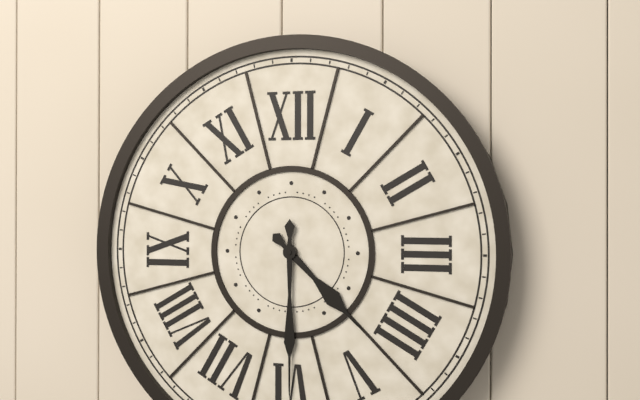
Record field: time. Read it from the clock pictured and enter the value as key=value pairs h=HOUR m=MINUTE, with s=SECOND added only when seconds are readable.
h=4 m=30
